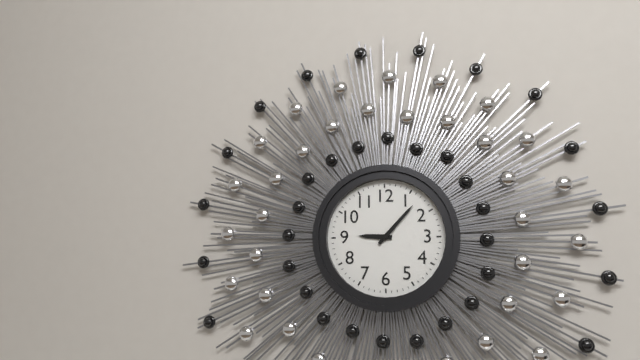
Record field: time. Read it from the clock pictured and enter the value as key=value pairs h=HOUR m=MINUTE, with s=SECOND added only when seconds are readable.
h=9 m=7
